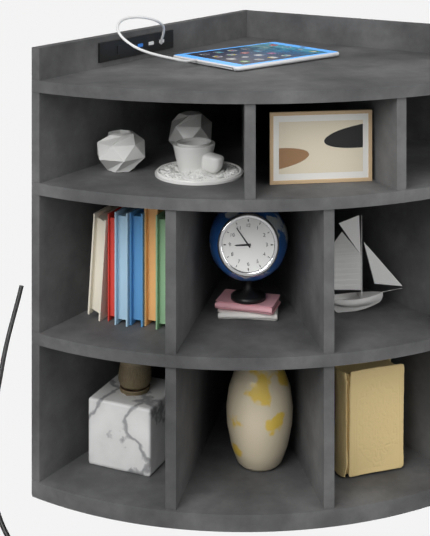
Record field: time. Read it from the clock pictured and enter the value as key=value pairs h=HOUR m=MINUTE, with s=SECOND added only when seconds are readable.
h=8 m=54
